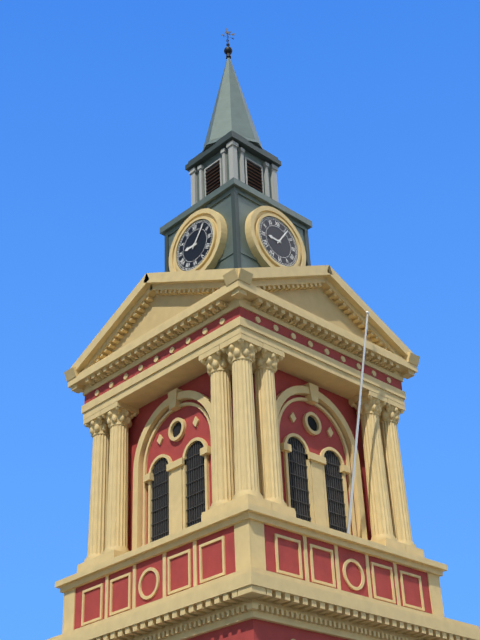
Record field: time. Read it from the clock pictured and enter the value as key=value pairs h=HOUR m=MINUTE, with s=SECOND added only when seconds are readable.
h=9 m=6
